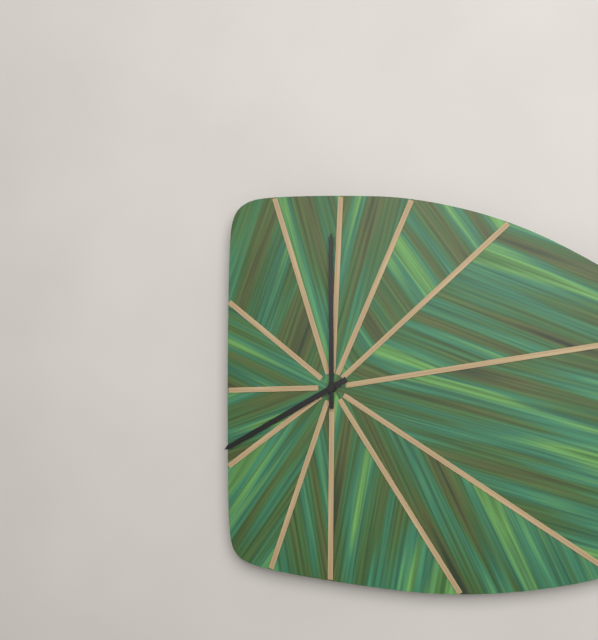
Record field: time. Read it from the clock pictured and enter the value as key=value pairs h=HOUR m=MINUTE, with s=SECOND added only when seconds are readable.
h=8 m=0
